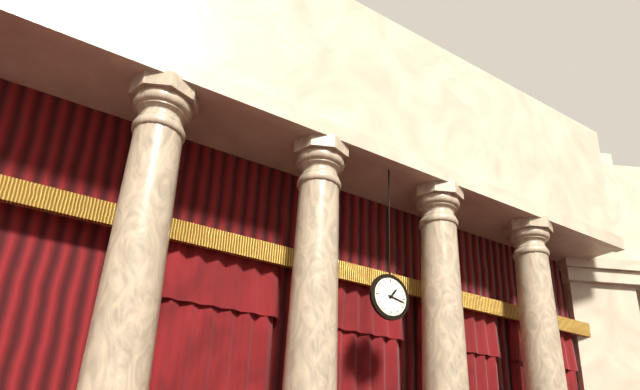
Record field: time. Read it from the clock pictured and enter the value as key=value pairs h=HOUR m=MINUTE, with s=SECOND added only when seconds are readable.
h=1 m=17
